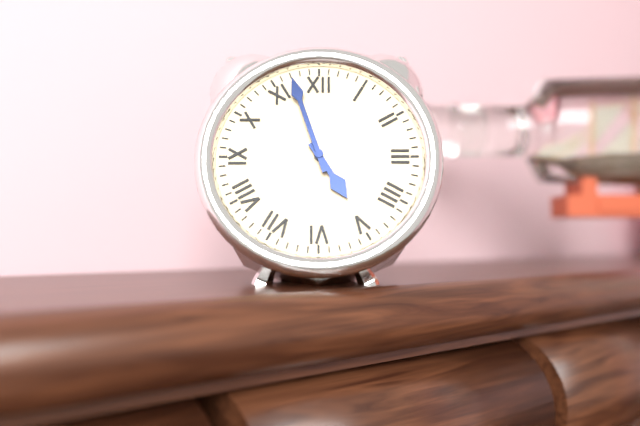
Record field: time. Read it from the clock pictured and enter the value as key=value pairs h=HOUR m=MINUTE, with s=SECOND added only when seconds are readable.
h=4 m=57
